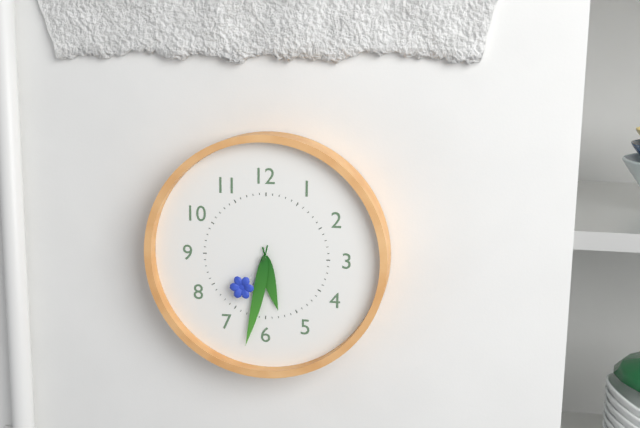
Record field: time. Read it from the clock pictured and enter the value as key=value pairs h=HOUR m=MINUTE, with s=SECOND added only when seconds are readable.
h=5 m=32 s=36
